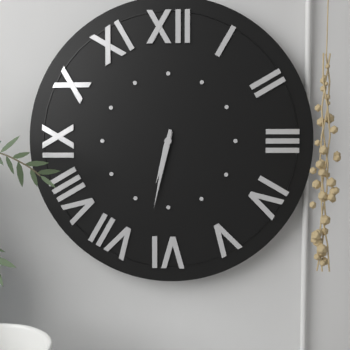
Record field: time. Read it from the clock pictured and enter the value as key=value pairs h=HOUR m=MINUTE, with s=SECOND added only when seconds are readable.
h=6 m=32
